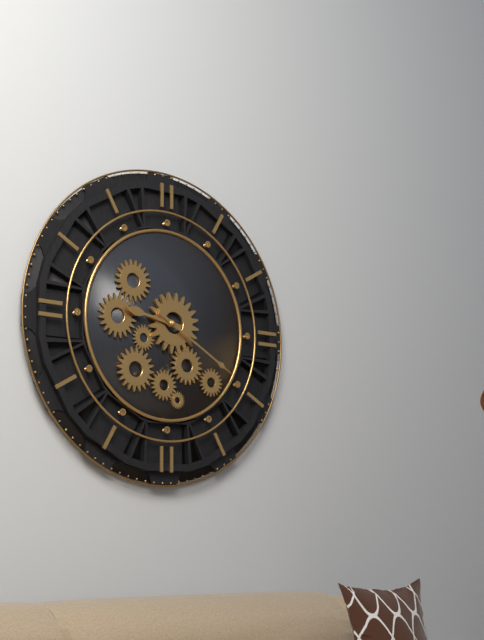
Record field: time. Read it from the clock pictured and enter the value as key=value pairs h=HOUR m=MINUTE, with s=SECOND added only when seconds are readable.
h=9 m=20
